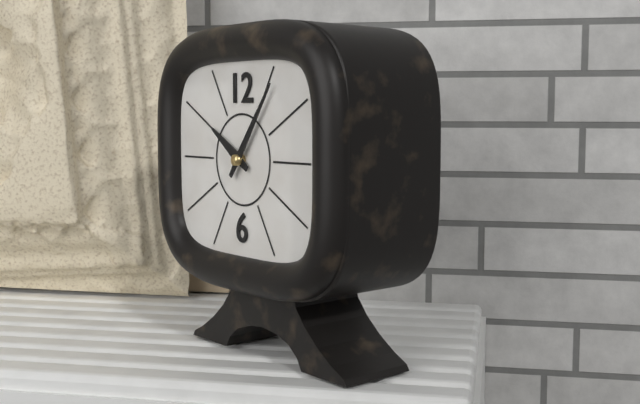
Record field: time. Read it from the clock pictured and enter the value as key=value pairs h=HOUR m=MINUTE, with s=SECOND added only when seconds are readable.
h=10 m=6
